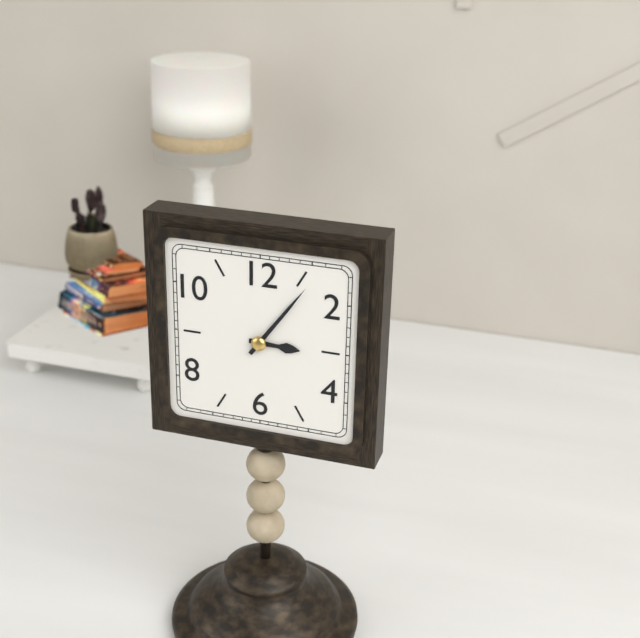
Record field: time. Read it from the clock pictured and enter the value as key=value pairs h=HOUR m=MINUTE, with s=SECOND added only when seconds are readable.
h=3 m=6
